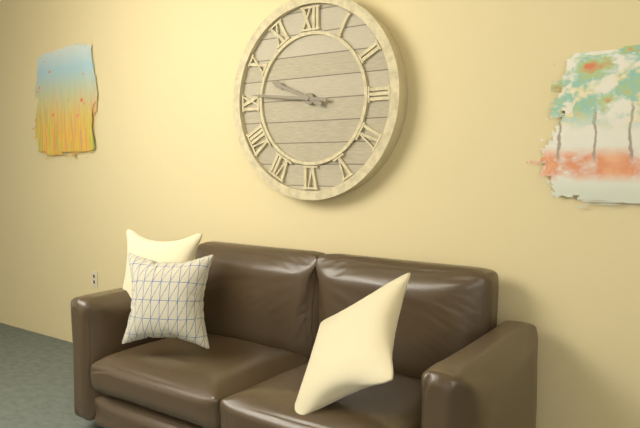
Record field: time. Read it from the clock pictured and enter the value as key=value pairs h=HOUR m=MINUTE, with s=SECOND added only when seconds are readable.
h=9 m=46
